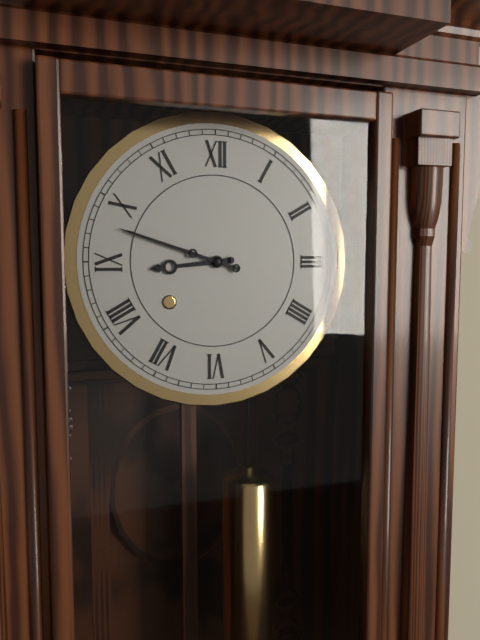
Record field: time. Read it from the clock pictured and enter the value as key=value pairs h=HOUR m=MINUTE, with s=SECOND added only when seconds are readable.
h=8 m=48
